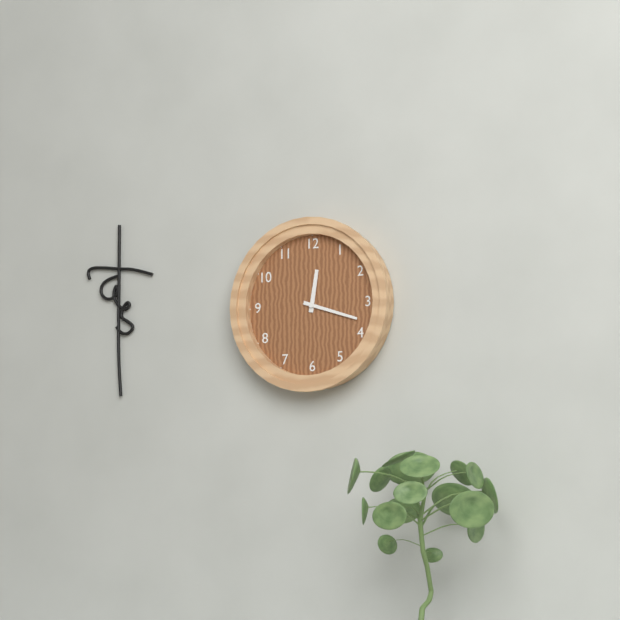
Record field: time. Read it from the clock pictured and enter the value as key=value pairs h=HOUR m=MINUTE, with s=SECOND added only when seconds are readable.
h=12 m=18
